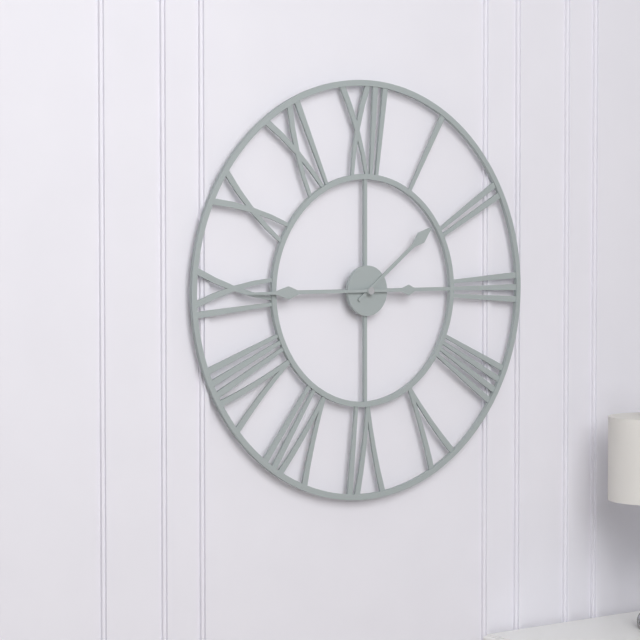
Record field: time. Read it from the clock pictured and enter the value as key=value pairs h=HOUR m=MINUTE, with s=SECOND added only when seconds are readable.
h=1 m=45
